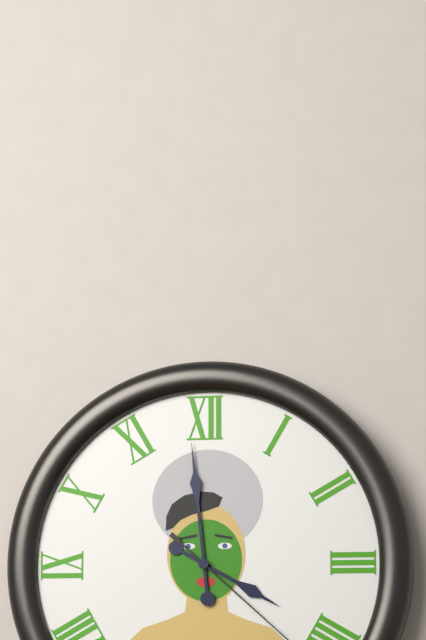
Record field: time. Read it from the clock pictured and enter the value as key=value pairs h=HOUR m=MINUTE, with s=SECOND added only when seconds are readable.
h=3 m=59
